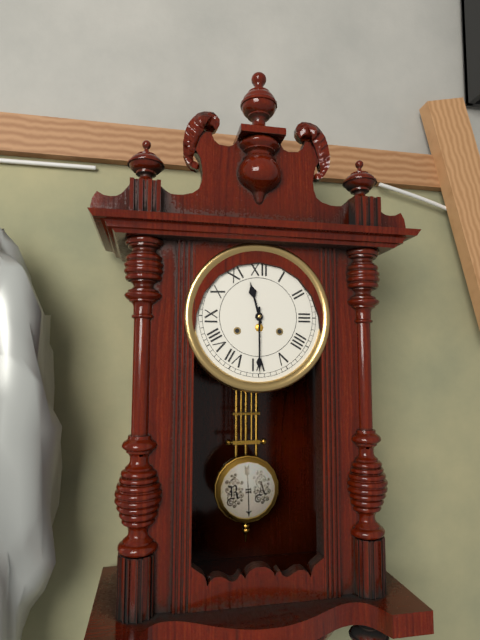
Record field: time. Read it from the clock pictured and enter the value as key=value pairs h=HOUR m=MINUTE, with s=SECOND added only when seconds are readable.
h=11 m=30
